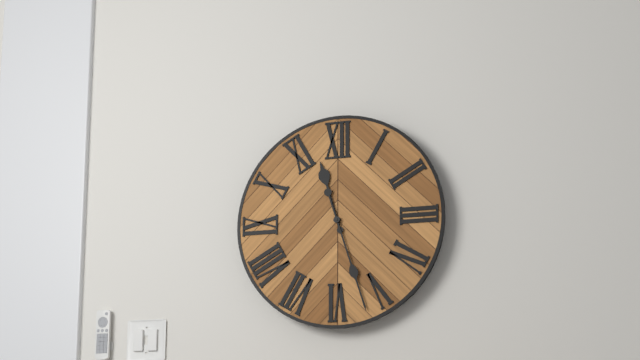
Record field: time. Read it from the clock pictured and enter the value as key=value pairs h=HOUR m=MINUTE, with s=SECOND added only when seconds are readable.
h=11 m=27
